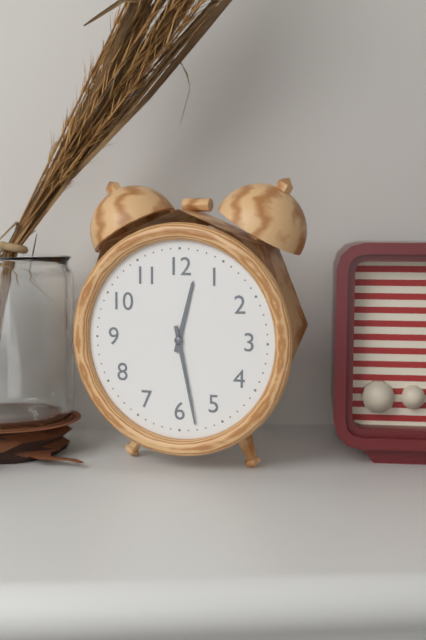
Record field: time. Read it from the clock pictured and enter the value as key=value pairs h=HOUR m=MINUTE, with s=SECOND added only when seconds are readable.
h=12 m=28
